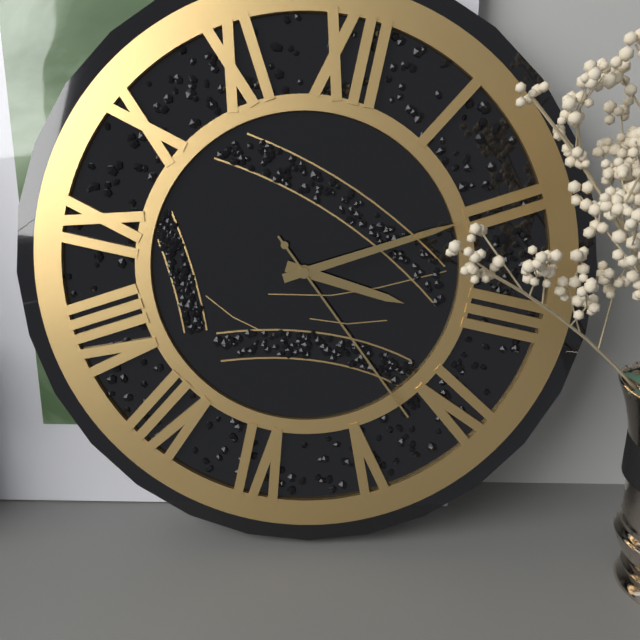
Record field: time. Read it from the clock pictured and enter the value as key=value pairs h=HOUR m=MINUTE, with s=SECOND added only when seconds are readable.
h=3 m=10 s=22
